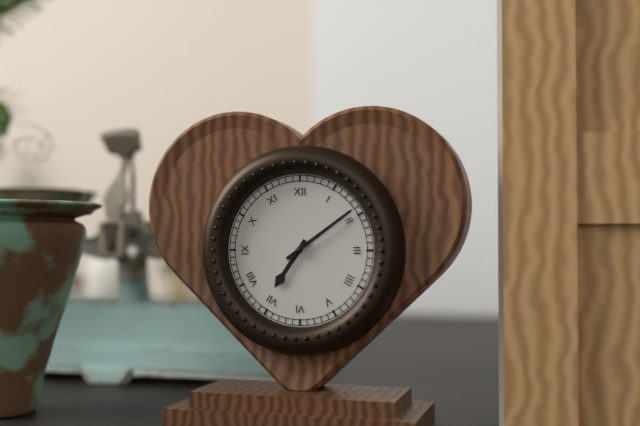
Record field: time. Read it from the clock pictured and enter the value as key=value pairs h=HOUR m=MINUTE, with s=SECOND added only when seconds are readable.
h=7 m=9
